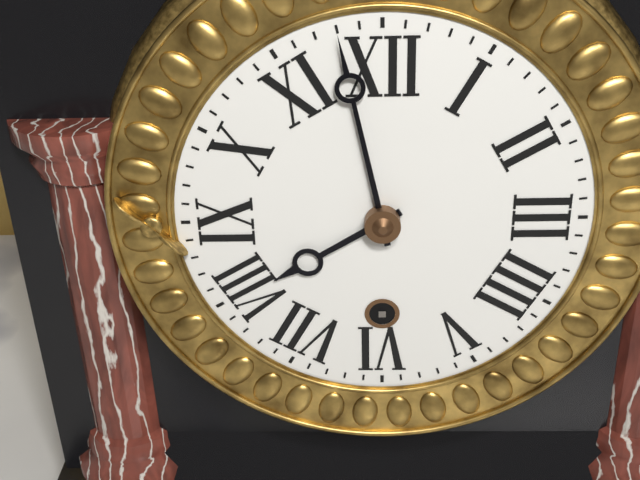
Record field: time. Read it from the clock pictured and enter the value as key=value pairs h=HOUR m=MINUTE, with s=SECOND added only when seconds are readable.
h=7 m=58
